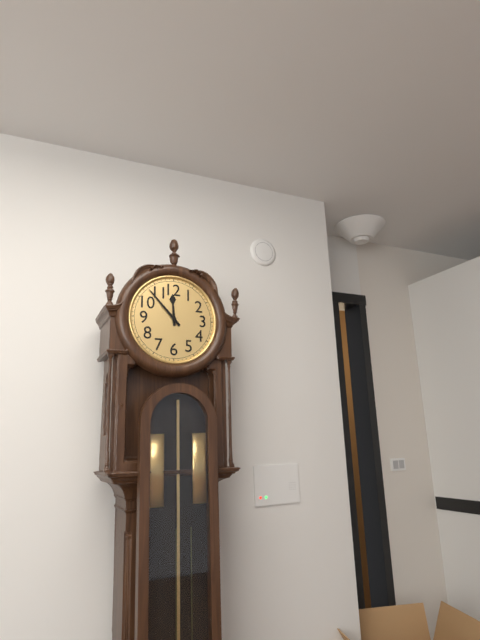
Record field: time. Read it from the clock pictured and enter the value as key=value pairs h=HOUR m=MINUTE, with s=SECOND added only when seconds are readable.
h=11 m=53
